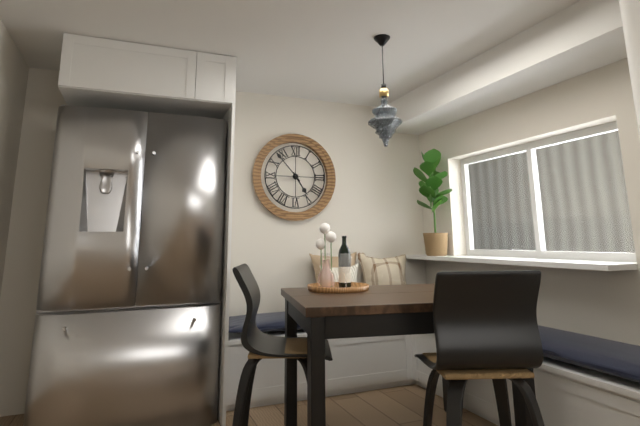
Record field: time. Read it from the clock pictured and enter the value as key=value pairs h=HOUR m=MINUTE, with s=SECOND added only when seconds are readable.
h=4 m=53
